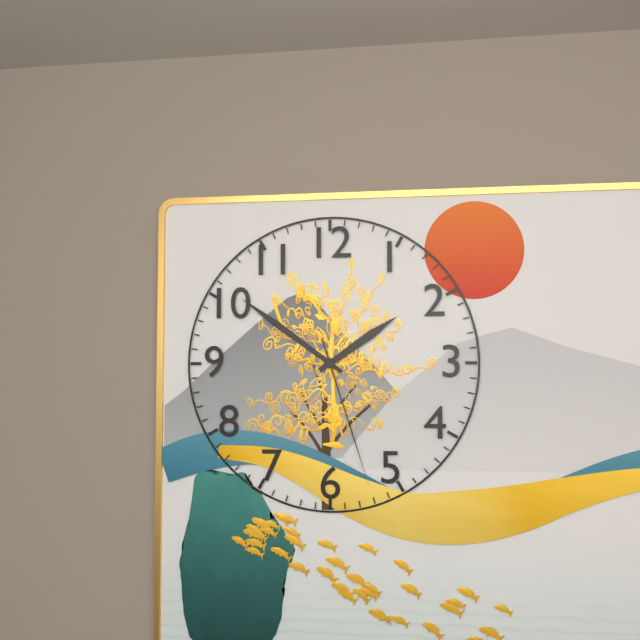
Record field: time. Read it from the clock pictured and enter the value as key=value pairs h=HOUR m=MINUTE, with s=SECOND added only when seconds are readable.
h=1 m=51 s=27
